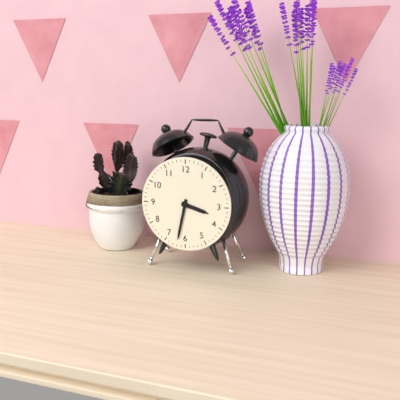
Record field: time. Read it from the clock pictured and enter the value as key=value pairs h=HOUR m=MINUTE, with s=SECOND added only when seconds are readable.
h=3 m=32
